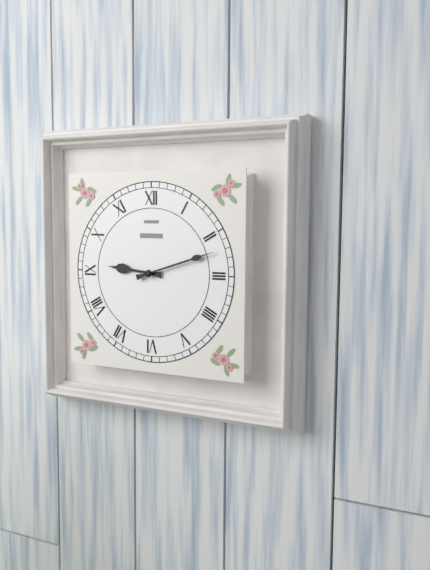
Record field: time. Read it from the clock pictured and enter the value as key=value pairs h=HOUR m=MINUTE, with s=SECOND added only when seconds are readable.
h=9 m=12
